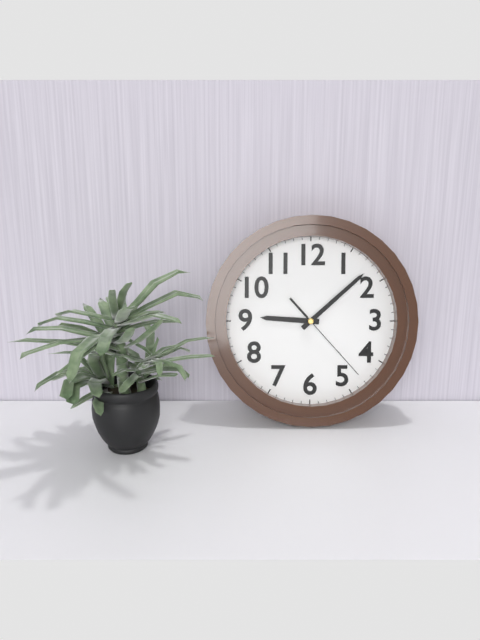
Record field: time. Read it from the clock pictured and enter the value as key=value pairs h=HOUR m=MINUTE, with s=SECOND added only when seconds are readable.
h=9 m=8 s=23
